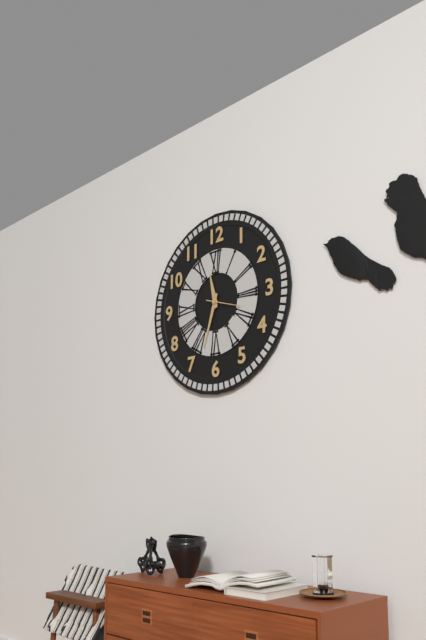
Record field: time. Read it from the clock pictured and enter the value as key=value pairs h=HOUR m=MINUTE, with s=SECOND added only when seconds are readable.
h=11 m=33
